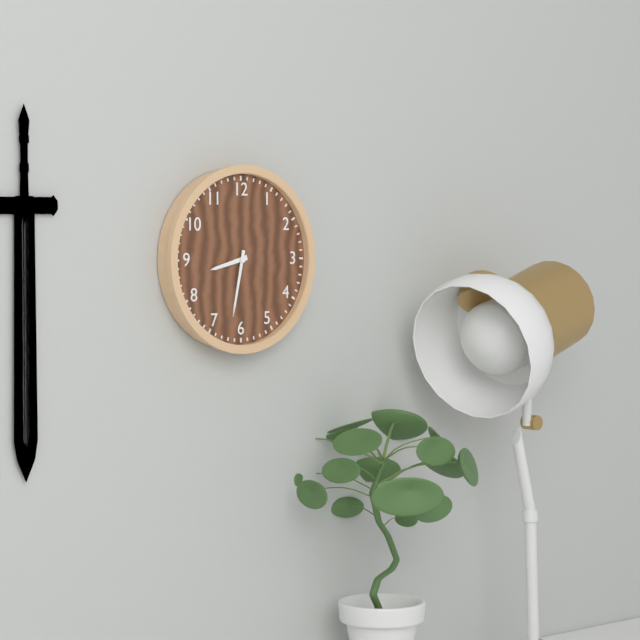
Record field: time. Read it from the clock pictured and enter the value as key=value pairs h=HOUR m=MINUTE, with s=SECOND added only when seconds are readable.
h=8 m=32
